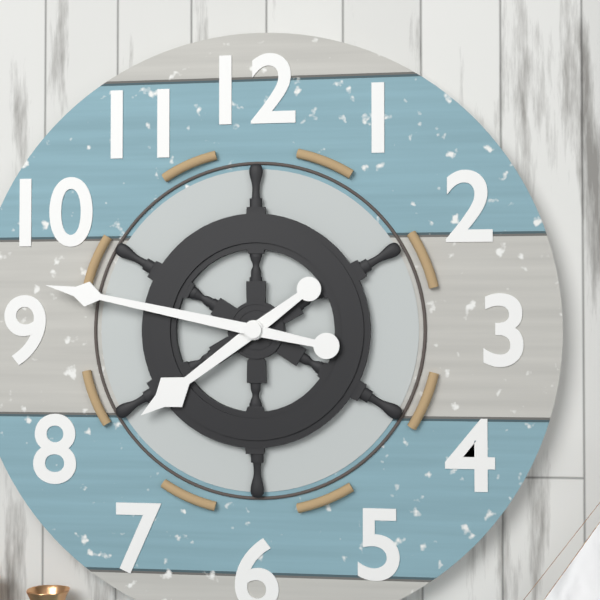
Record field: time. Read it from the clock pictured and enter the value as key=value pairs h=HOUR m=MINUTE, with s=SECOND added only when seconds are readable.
h=7 m=47
